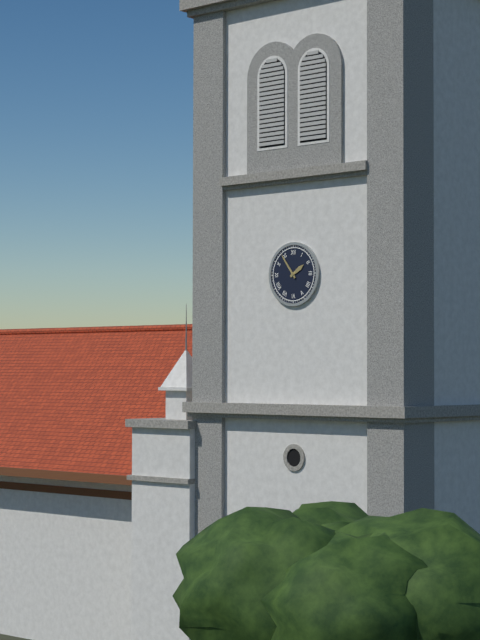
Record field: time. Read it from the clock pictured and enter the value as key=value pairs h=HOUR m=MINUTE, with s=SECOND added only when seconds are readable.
h=1 m=54
